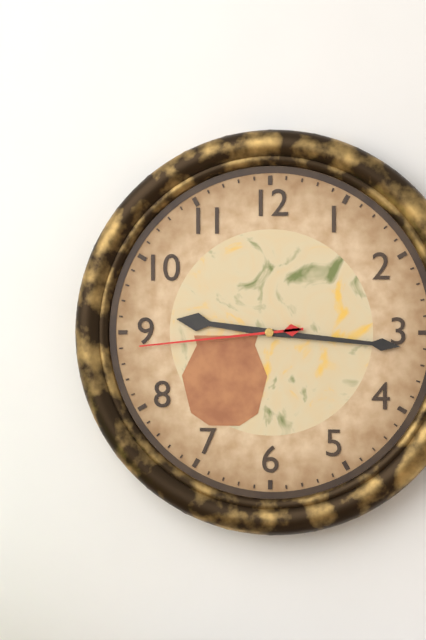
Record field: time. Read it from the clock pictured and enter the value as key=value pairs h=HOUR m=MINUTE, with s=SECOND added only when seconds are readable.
h=9 m=16 s=44
